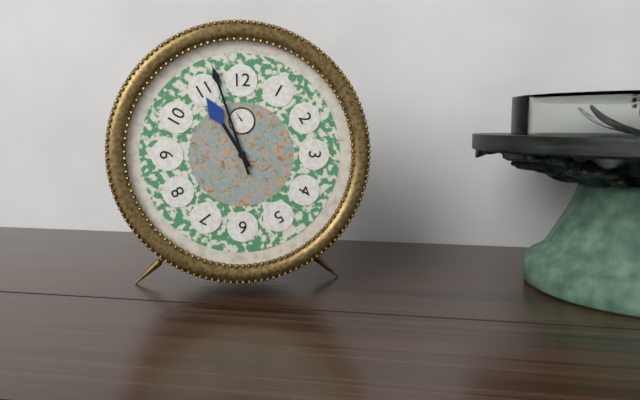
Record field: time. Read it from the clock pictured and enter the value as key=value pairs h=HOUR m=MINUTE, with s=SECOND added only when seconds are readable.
h=10 m=57
